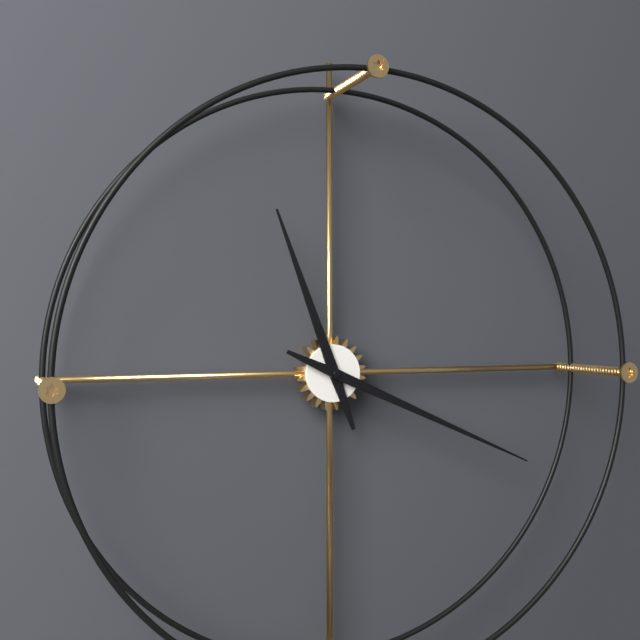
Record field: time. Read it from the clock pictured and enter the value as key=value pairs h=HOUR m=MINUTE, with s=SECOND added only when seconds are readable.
h=11 m=19
